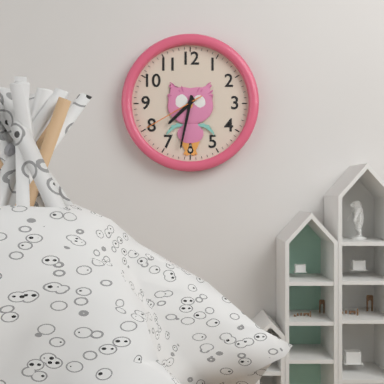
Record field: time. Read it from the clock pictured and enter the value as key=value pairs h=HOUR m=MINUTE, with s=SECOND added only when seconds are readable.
h=7 m=32 s=40
